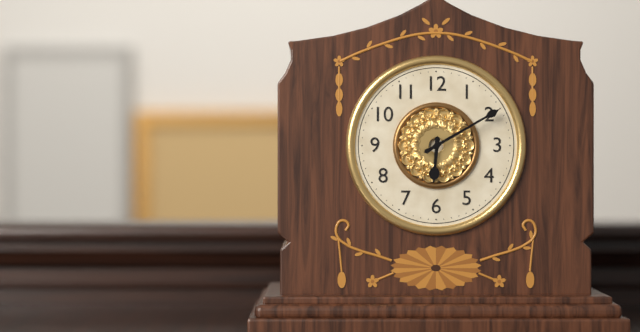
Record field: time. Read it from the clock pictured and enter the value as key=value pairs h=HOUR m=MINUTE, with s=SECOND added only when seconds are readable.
h=6 m=10
